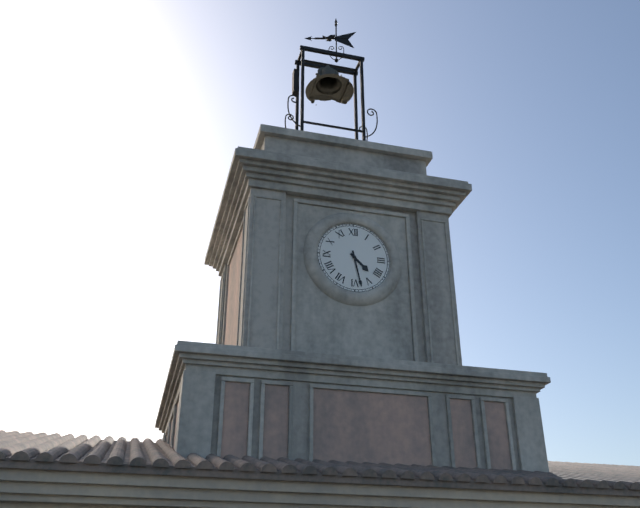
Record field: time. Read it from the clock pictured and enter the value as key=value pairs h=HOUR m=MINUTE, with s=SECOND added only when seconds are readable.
h=4 m=28
